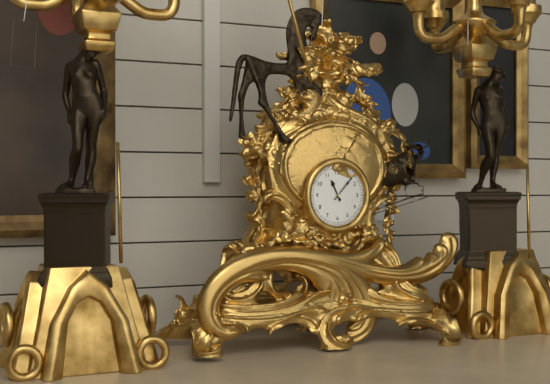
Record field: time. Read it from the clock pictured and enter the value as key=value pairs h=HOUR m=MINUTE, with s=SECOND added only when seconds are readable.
h=11 m=7
